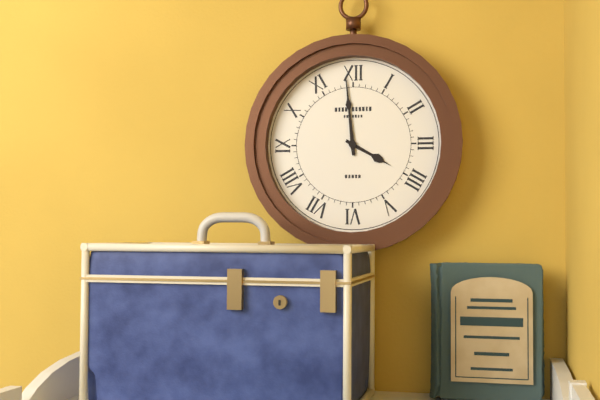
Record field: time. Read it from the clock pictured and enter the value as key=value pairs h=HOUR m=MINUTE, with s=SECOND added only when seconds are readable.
h=3 m=59
